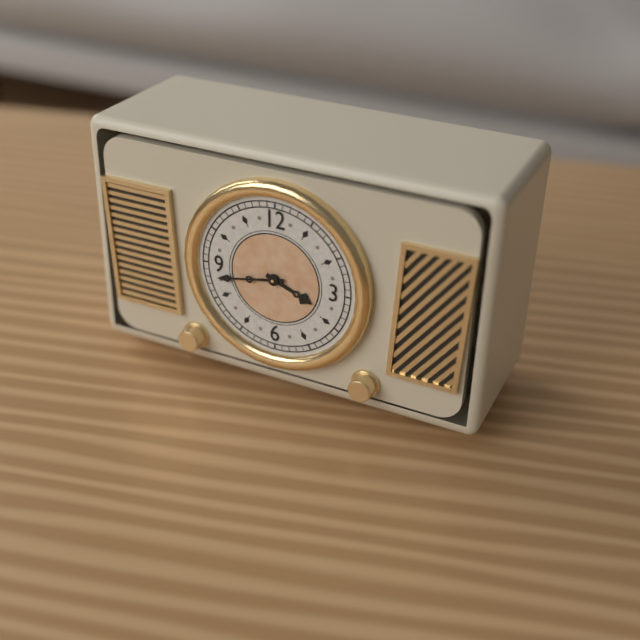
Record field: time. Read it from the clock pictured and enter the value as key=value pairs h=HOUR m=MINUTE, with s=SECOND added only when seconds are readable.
h=3 m=43
